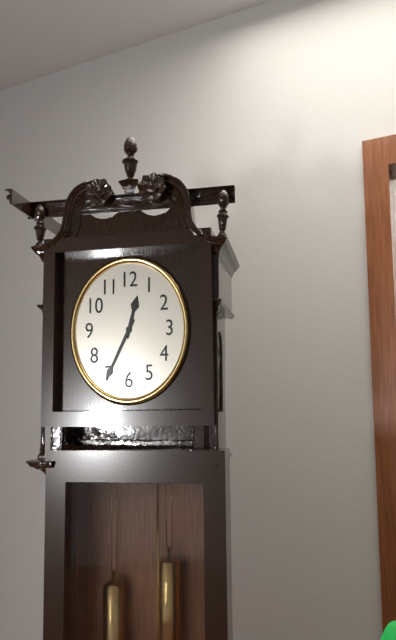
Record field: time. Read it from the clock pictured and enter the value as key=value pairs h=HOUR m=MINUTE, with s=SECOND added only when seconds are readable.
h=12 m=35
